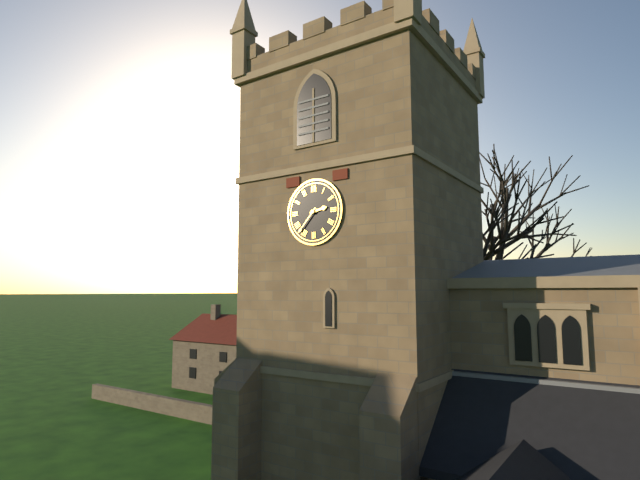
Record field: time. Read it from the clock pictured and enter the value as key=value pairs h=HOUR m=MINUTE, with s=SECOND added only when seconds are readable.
h=2 m=37
